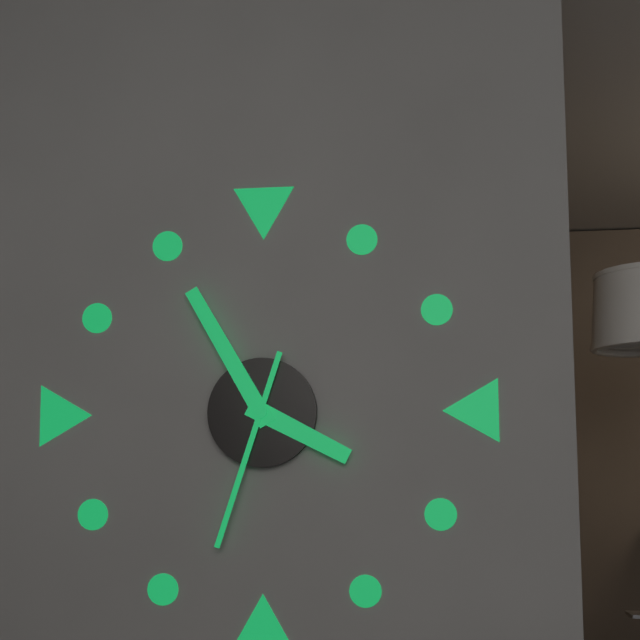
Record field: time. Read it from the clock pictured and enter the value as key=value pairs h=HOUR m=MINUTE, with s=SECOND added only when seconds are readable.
h=3 m=55 s=33
